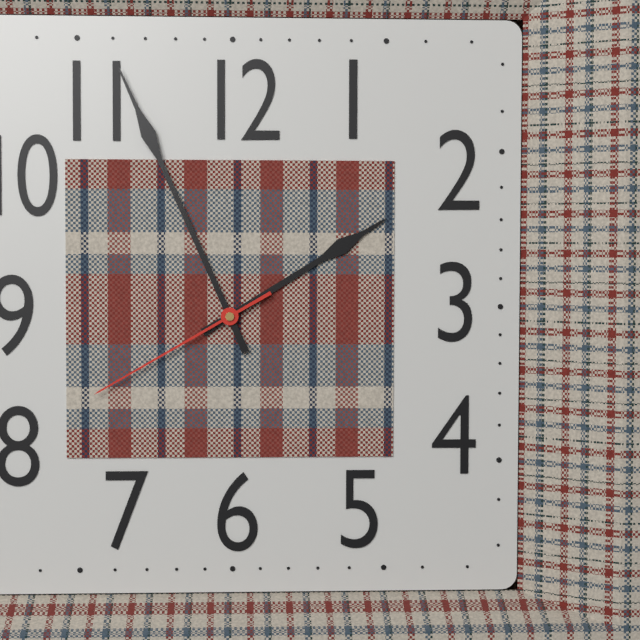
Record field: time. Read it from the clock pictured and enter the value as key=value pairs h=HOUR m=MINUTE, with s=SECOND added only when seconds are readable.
h=1 m=56 s=40
